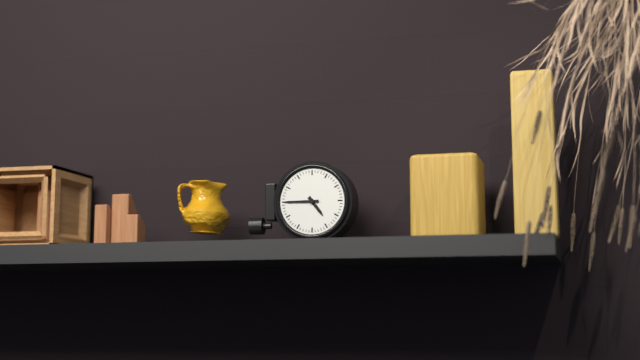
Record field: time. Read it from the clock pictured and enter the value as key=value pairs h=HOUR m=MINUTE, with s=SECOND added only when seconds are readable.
h=4 m=45
